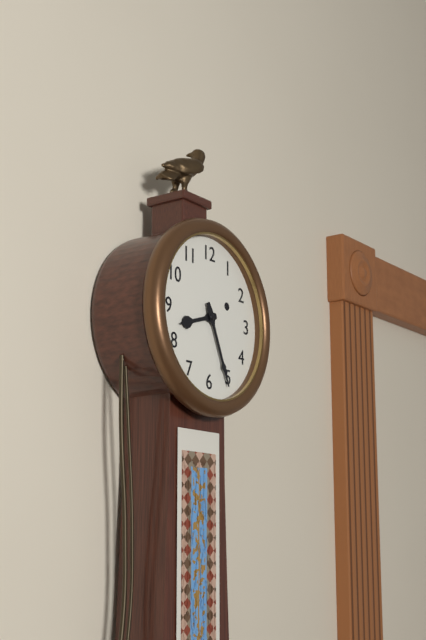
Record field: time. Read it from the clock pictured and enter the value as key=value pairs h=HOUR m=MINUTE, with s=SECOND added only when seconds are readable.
h=8 m=26
